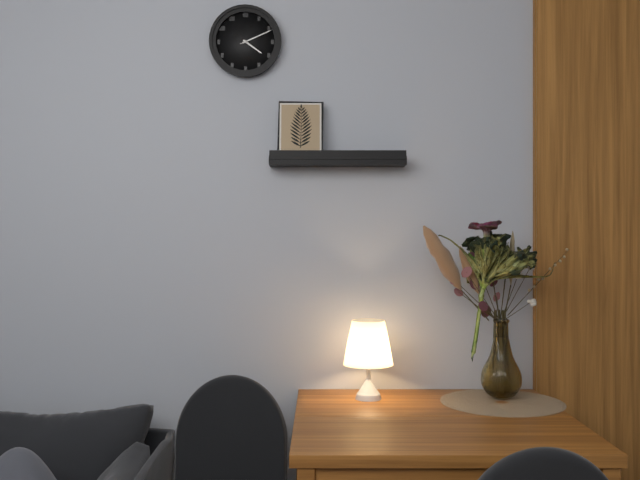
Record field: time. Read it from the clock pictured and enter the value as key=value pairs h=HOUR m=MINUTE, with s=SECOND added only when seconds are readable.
h=4 m=11
